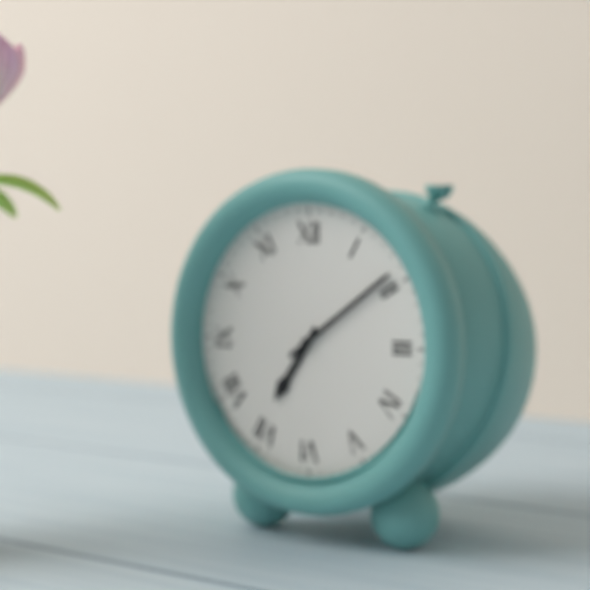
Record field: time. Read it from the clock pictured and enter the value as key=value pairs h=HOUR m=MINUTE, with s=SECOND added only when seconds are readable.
h=7 m=9
